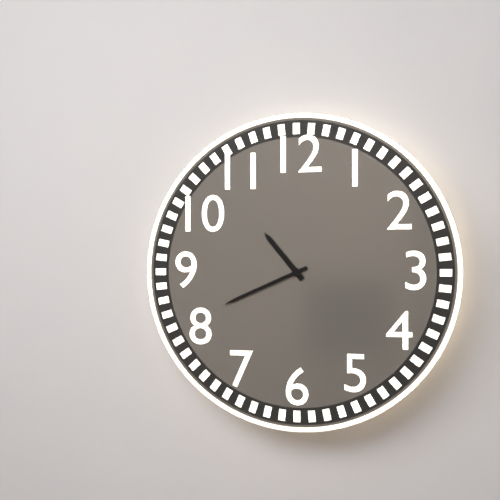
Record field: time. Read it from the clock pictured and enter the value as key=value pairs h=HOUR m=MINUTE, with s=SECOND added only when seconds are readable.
h=10 m=41
